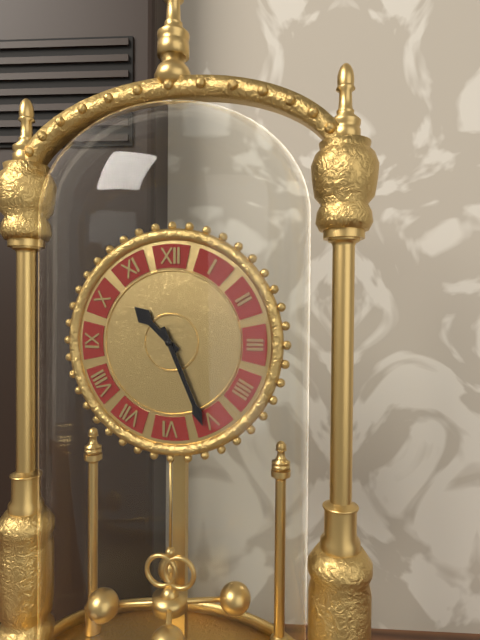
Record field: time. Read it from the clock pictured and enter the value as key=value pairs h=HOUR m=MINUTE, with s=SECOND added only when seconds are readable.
h=10 m=26
